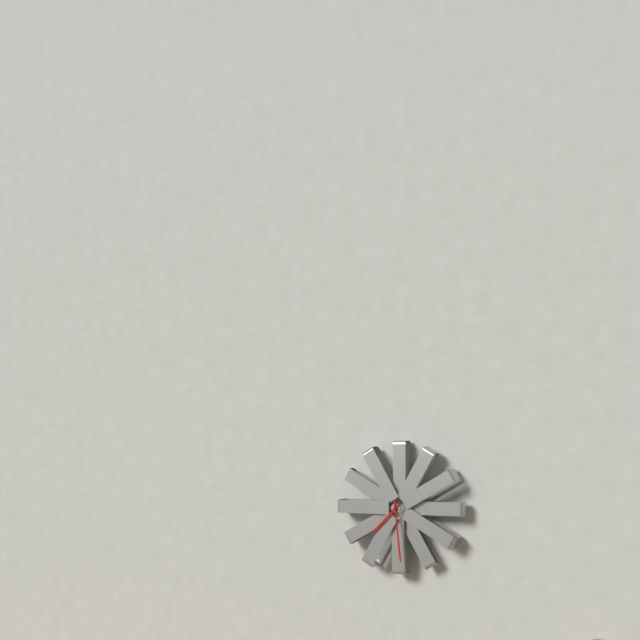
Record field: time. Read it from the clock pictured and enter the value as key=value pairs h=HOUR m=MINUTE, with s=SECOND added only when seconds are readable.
h=7 m=29
